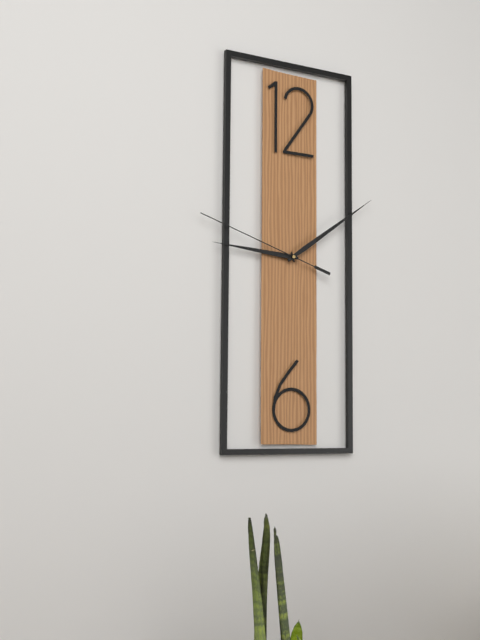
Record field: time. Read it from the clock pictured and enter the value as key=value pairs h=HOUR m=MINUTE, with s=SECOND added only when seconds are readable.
h=9 m=9 s=48
